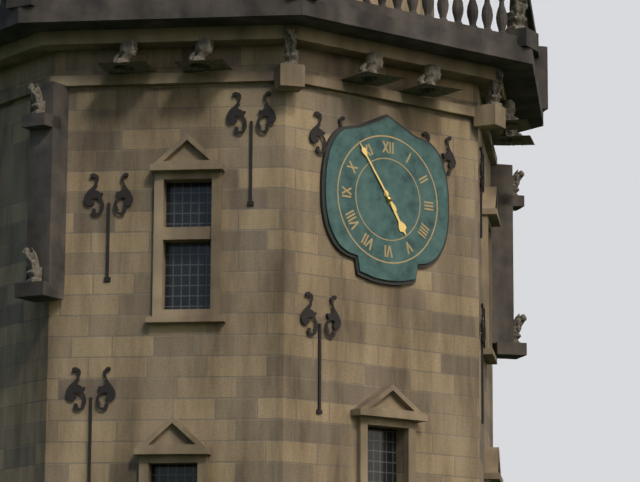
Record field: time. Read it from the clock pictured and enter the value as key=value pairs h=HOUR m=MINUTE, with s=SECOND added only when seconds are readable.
h=4 m=54
